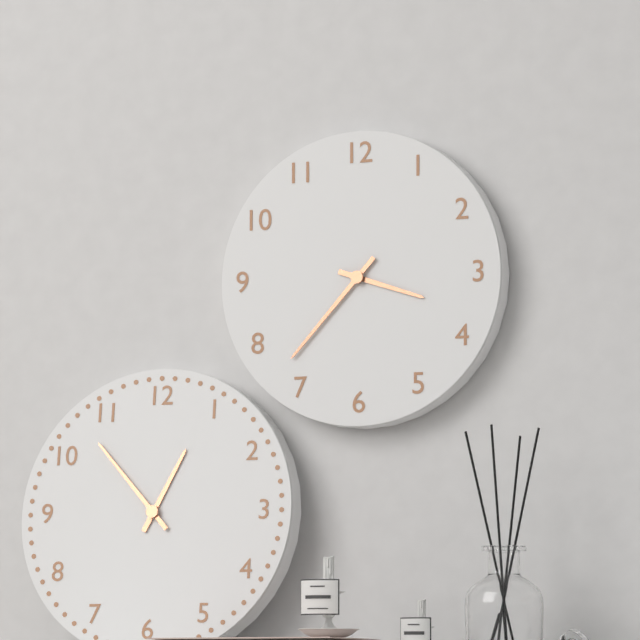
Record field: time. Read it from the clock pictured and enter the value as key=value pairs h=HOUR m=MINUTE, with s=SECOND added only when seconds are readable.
h=3 m=37
